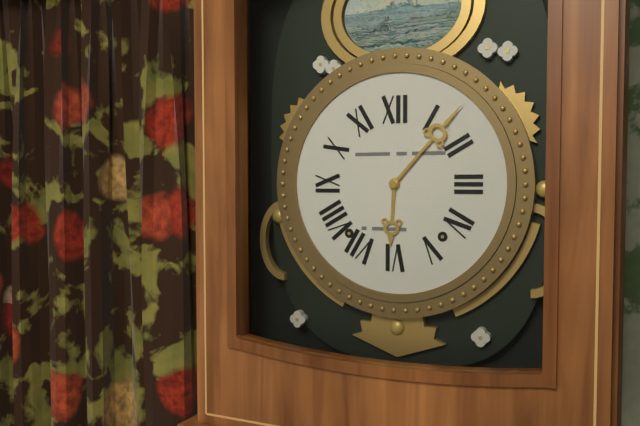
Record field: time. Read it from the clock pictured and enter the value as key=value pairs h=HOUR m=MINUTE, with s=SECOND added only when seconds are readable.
h=6 m=7
